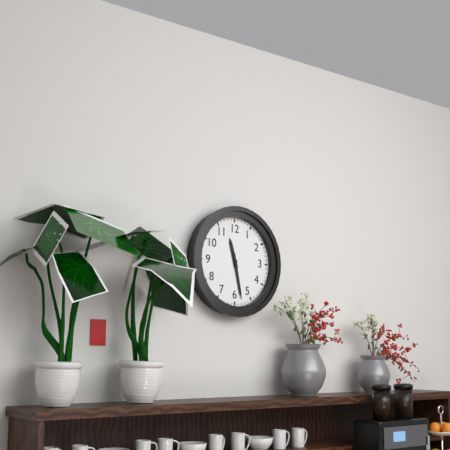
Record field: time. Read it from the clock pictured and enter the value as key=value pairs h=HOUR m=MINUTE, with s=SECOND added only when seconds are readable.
h=11 m=28
